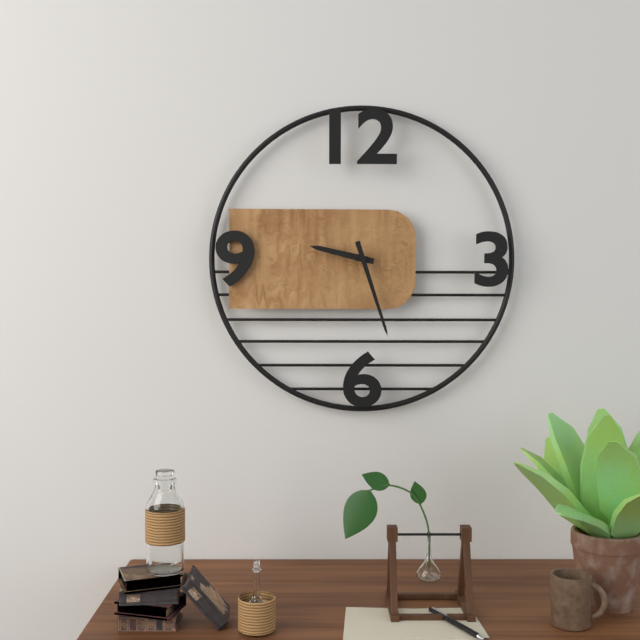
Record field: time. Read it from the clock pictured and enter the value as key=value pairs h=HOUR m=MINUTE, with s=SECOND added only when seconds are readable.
h=9 m=27
